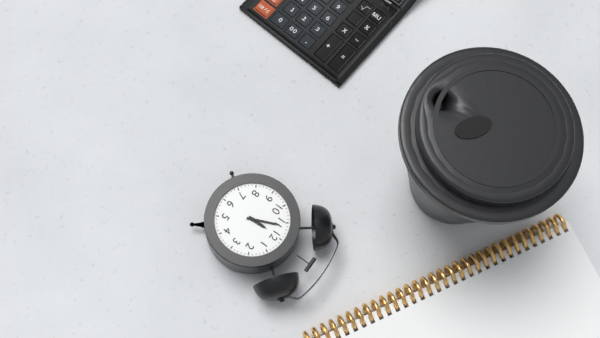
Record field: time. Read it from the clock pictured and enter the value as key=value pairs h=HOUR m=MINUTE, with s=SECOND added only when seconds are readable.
h=11 m=56
